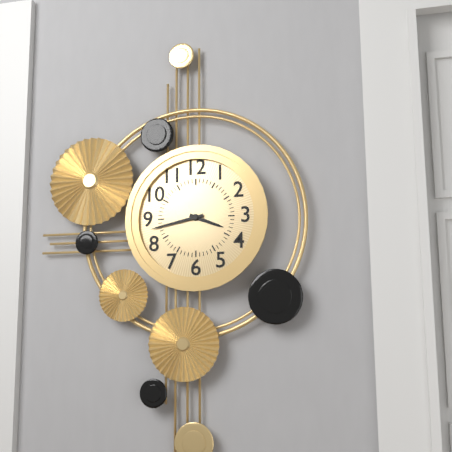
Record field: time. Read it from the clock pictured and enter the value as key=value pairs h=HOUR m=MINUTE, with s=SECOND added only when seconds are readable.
h=3 m=43
